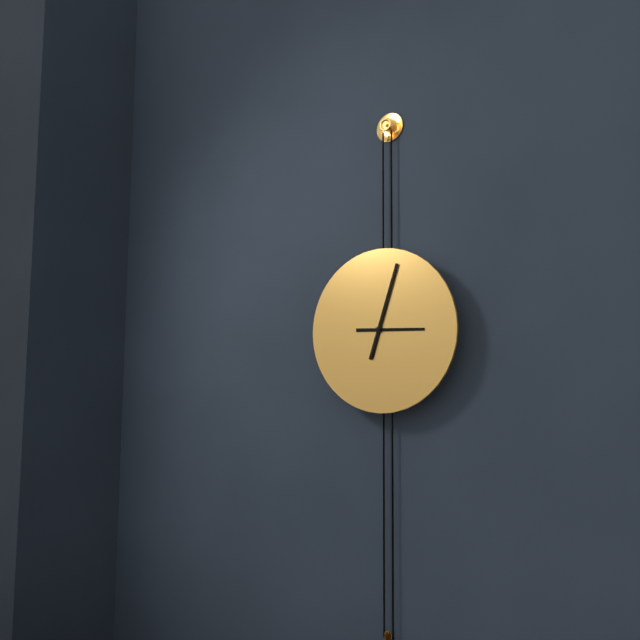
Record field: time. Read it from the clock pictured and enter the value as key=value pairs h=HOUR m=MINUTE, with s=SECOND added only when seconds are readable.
h=3 m=3
